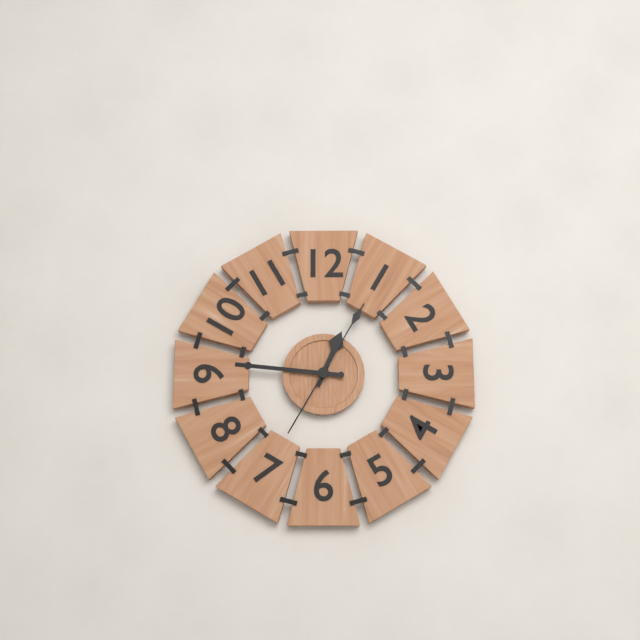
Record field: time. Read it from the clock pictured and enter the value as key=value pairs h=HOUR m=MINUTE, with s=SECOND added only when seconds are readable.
h=12 m=46 s=5
